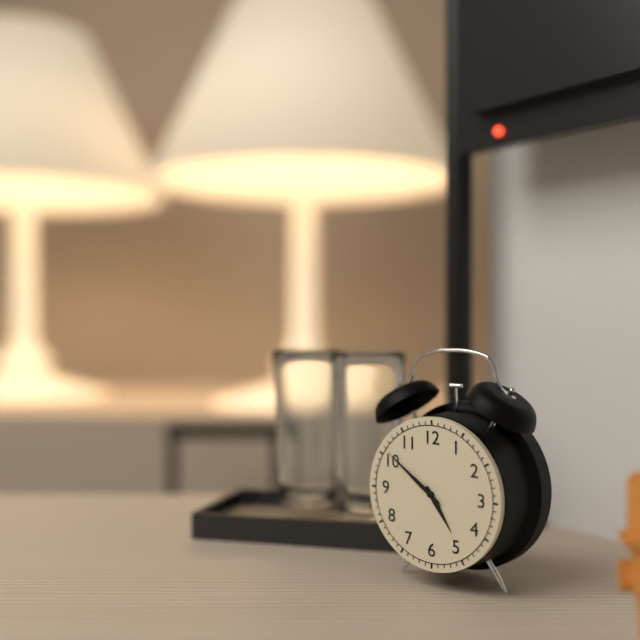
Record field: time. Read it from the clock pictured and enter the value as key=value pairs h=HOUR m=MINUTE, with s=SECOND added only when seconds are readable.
h=4 m=51
